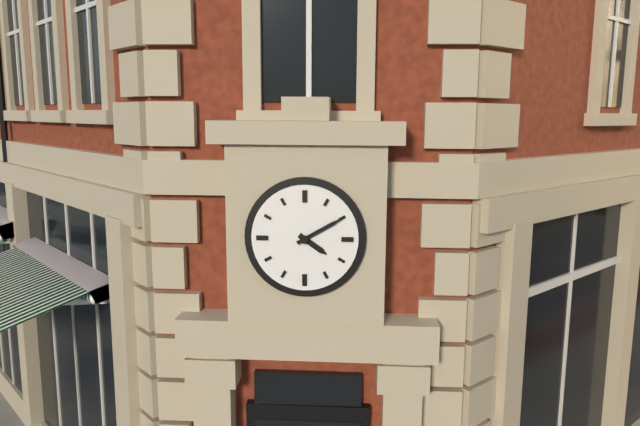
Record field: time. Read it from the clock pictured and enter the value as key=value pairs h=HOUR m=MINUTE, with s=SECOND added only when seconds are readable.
h=4 m=10
